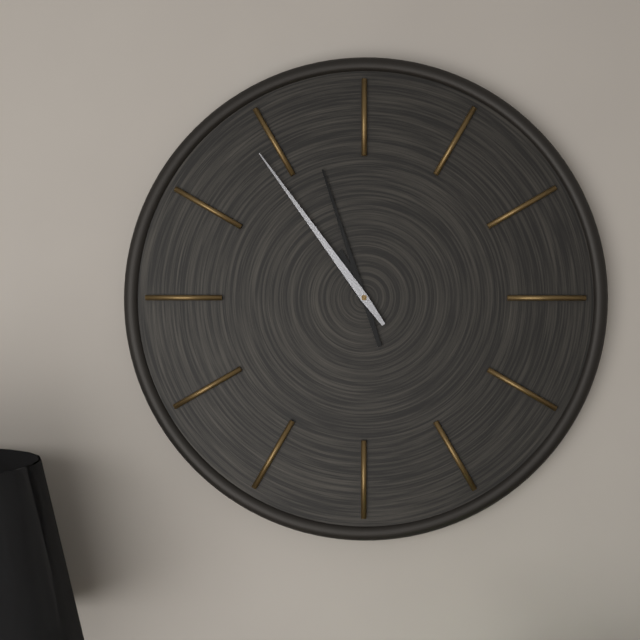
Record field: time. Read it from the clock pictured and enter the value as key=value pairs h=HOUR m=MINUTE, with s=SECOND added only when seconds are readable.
h=10 m=57 s=54
